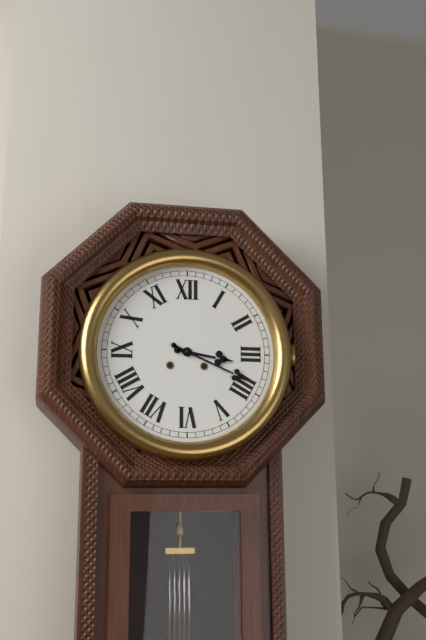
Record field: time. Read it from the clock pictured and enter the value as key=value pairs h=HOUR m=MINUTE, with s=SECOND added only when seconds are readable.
h=3 m=19
